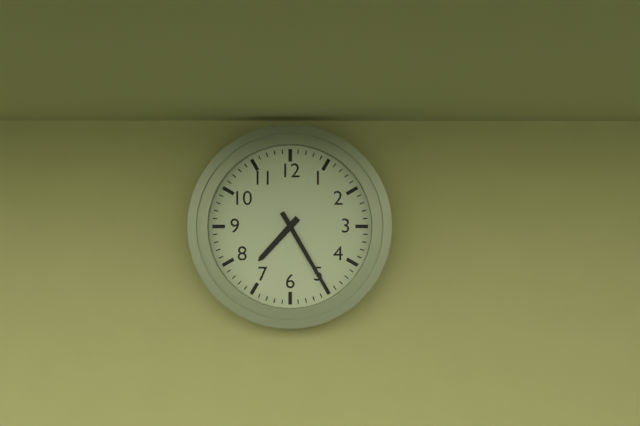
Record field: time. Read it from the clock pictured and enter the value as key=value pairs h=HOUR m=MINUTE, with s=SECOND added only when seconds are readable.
h=7 m=25
